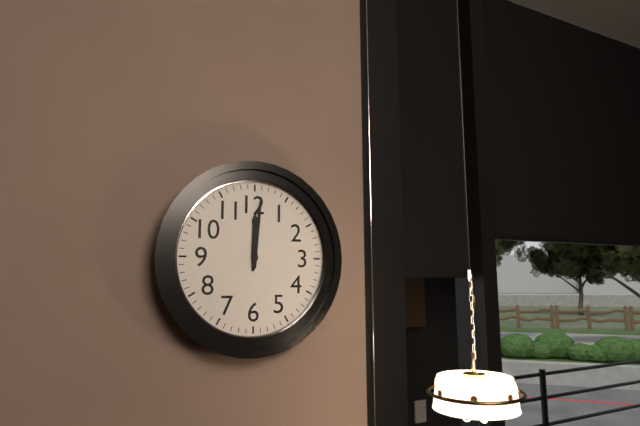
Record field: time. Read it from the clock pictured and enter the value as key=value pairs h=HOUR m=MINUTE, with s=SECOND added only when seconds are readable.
h=12 m=1
